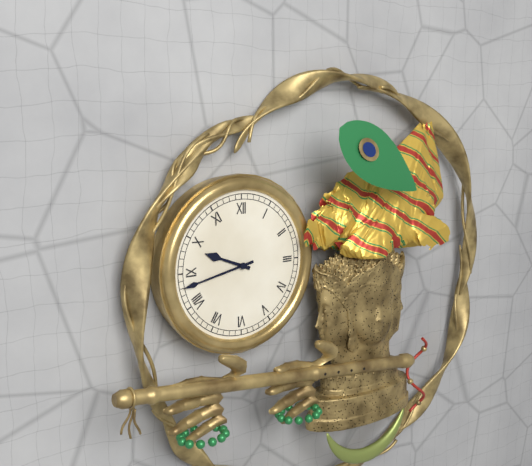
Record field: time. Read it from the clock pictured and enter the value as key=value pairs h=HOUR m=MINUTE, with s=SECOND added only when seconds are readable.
h=9 m=43
